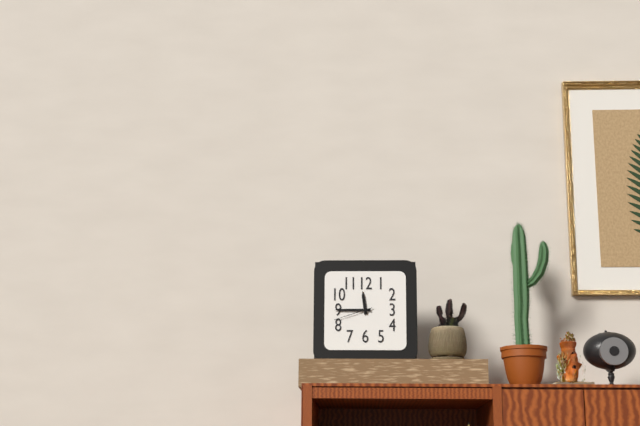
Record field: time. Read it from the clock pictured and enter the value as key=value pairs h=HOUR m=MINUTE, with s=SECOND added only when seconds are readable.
h=11 m=45
